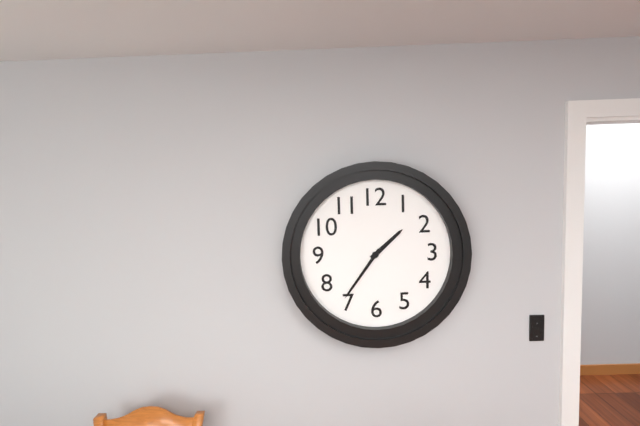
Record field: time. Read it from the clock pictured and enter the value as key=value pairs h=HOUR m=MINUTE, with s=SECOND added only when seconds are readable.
h=1 m=36
